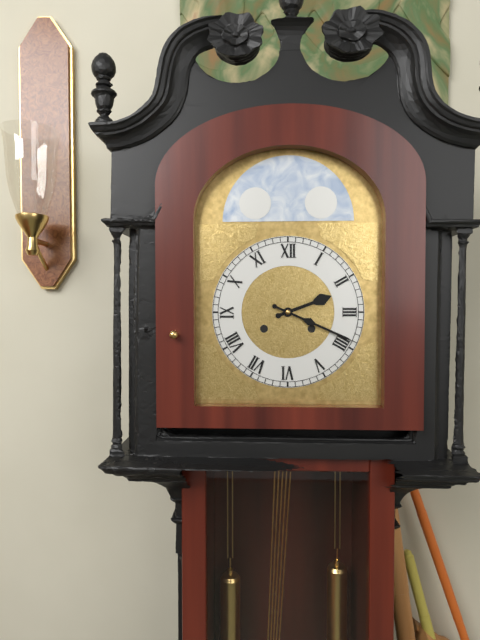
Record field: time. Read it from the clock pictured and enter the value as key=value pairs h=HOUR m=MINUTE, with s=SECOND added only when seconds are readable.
h=2 m=19
